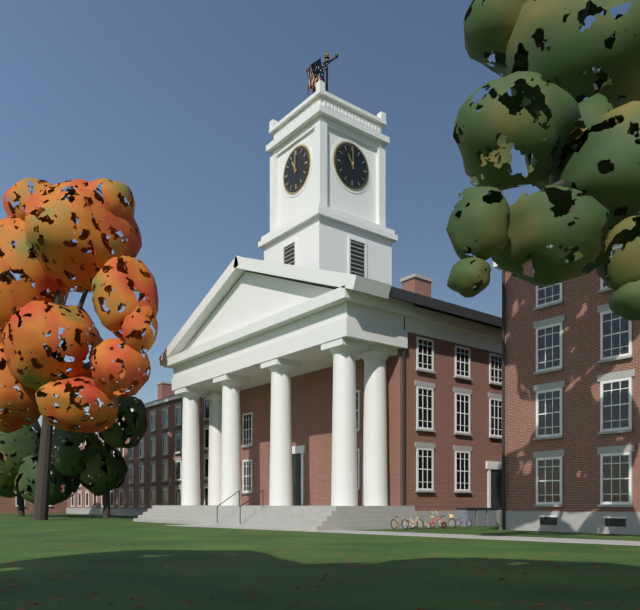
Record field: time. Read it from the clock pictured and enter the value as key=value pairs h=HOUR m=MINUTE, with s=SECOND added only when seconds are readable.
h=11 m=0
